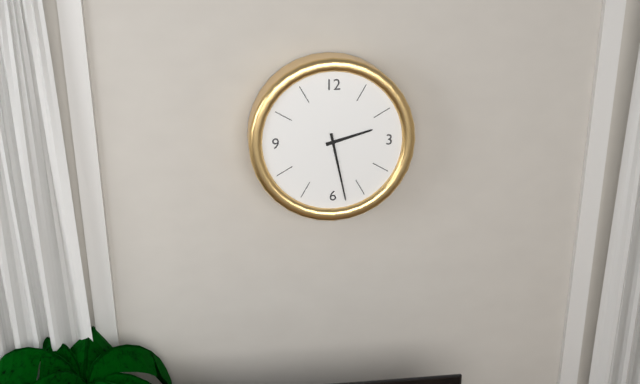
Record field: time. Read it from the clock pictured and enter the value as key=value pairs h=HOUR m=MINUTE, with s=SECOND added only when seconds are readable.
h=2 m=28
